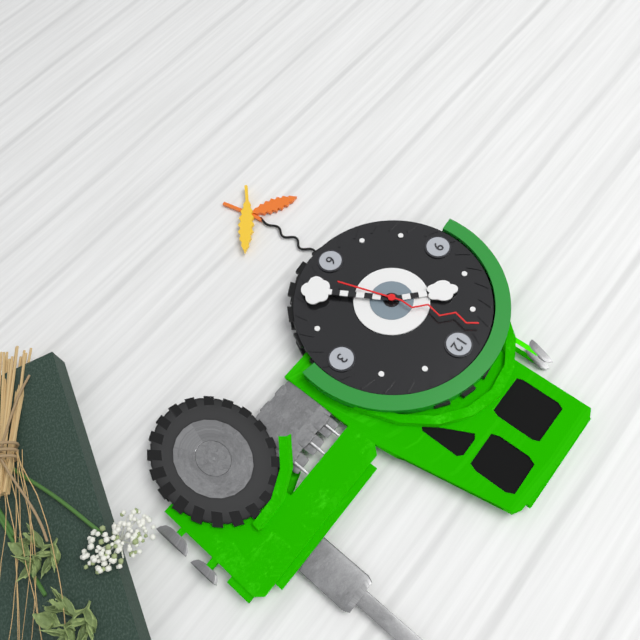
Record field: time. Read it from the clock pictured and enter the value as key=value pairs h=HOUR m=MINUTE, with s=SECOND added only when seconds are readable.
h=10 m=25 s=57
